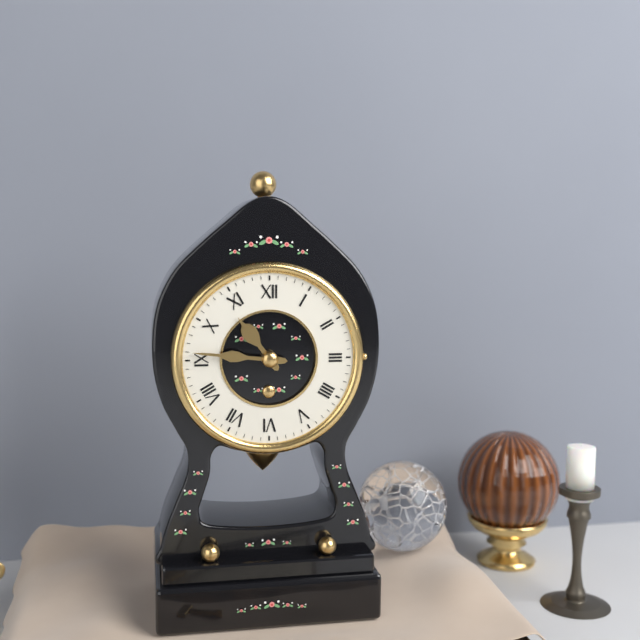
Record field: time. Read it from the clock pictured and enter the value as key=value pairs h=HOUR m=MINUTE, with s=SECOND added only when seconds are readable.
h=10 m=46
